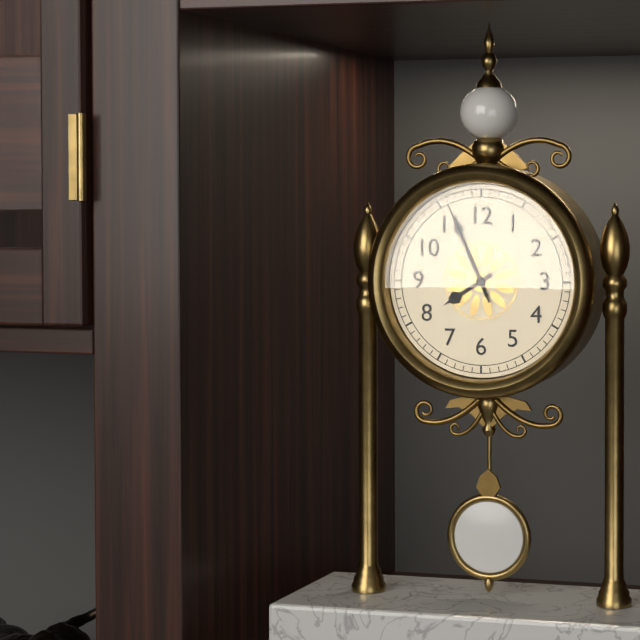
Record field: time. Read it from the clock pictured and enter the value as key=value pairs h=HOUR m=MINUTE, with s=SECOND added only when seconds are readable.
h=7 m=56 s=56
